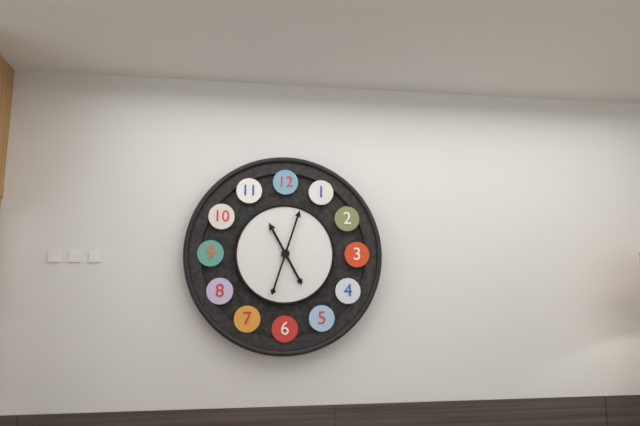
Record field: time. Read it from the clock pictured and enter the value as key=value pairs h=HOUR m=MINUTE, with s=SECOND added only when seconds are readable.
h=11 m=3
